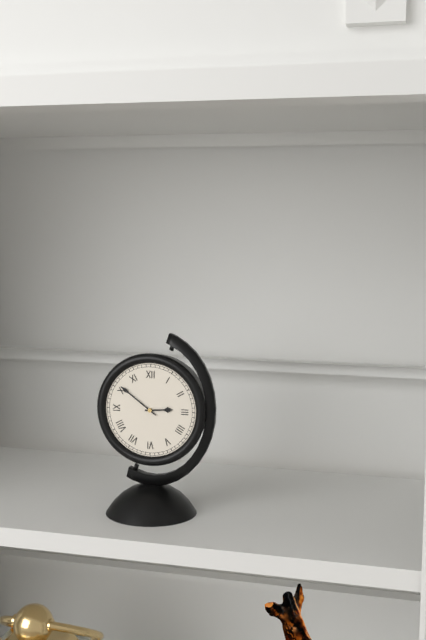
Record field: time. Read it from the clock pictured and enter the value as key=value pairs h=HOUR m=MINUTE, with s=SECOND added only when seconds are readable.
h=2 m=51
